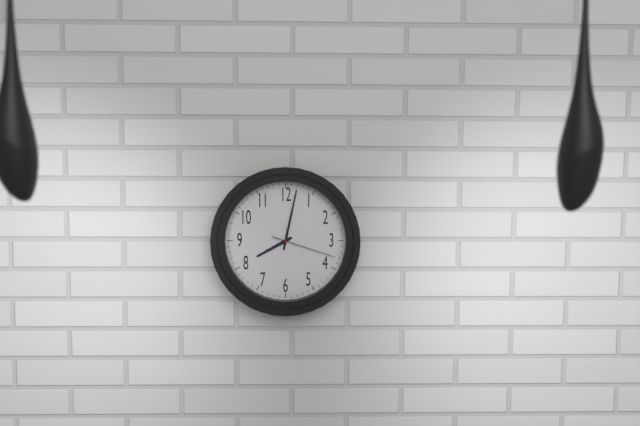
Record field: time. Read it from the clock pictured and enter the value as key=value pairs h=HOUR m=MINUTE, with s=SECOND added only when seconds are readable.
h=8 m=2 s=18
